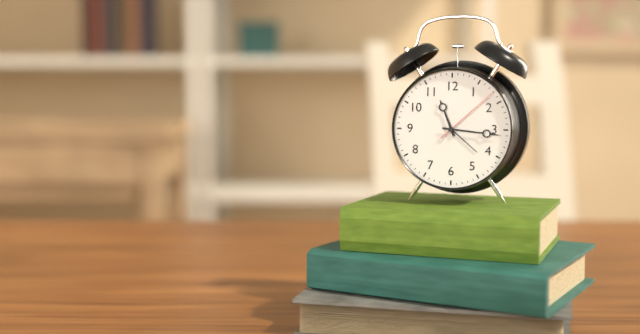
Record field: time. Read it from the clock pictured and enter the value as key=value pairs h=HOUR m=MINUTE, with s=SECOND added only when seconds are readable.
h=11 m=16 s=8
